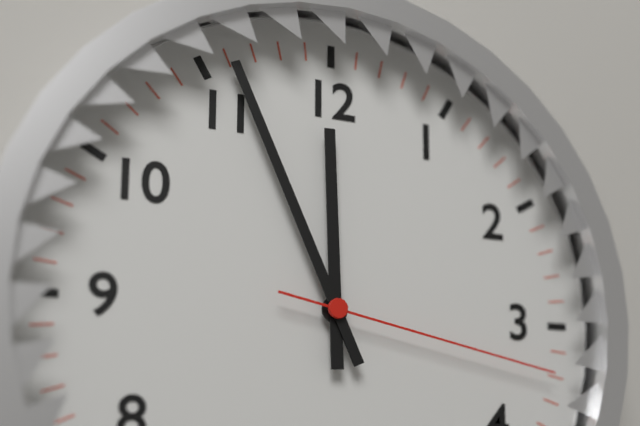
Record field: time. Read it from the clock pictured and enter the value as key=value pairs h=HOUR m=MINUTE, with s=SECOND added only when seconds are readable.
h=11 m=56 s=17
